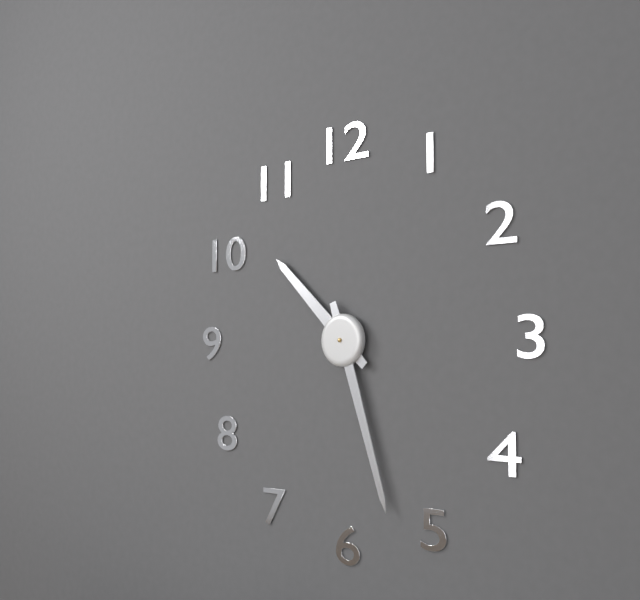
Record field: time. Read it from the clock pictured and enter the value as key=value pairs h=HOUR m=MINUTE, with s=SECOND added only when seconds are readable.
h=10 m=27
